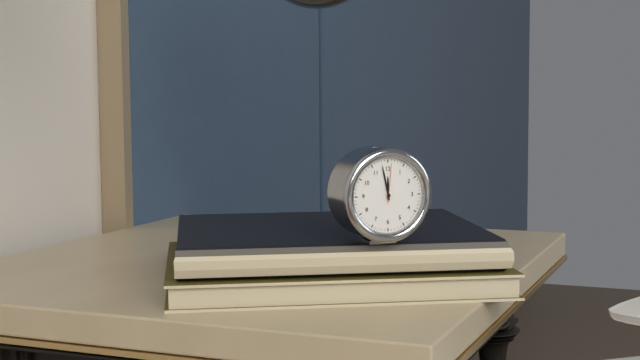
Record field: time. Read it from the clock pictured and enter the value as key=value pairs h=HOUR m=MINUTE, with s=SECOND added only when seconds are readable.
h=11 m=58
